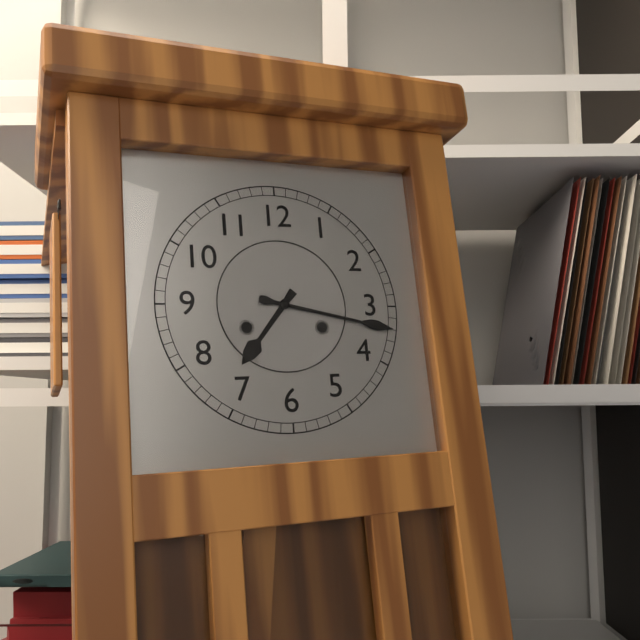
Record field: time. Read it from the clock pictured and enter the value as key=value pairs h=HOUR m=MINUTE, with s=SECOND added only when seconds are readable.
h=7 m=17
